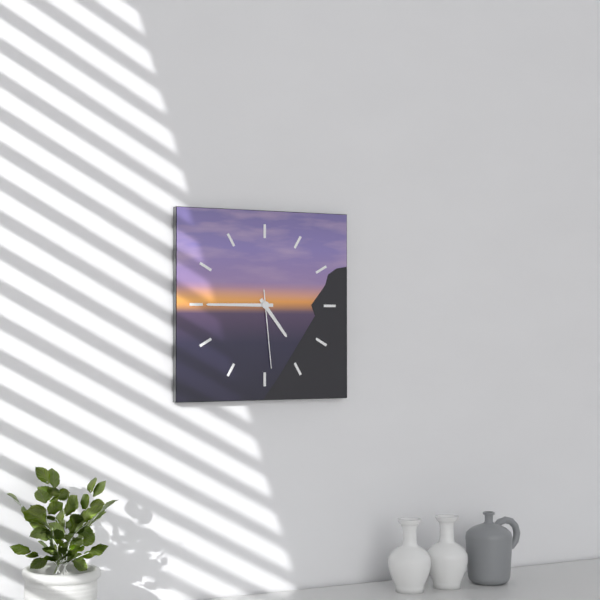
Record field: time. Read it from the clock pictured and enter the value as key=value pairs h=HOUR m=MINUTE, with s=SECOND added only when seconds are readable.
h=4 m=45 s=29
